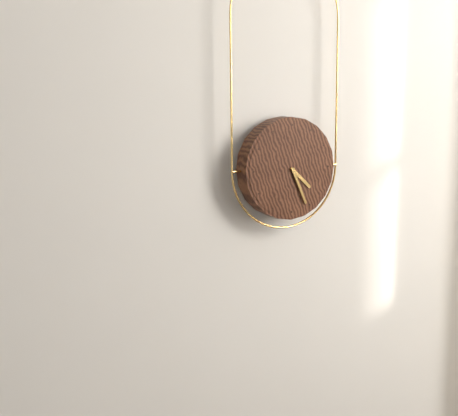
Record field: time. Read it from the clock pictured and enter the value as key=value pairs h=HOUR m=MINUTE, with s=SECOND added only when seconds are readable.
h=4 m=26
